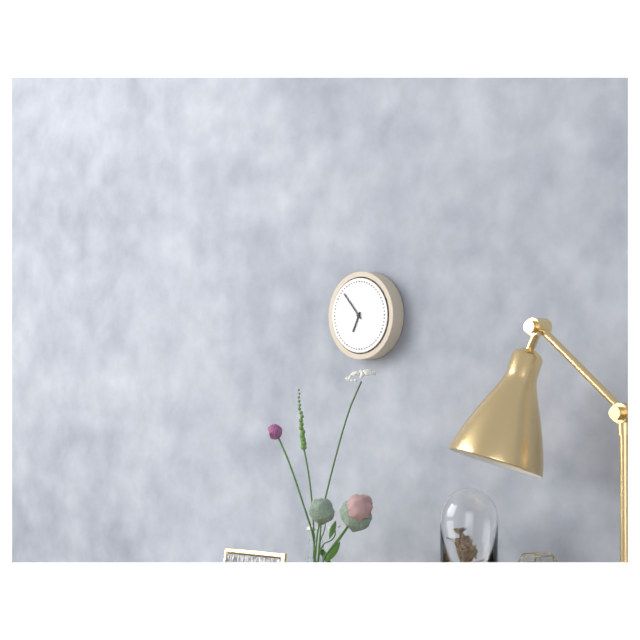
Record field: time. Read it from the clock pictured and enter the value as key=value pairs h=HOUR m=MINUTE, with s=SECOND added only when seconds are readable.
h=6 m=53
